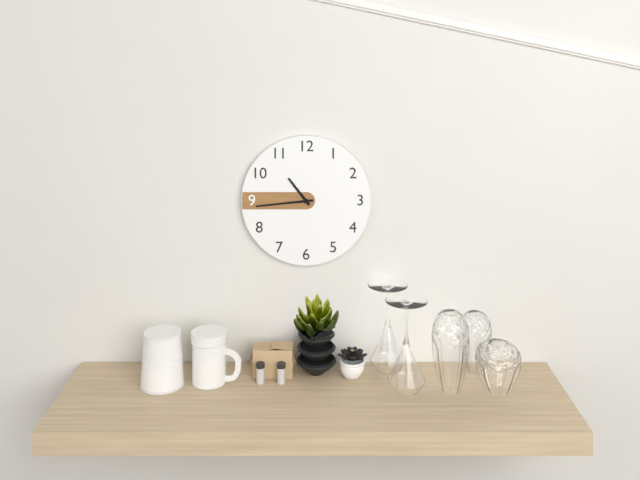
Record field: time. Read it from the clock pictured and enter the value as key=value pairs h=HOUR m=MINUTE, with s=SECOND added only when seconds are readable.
h=10 m=44
